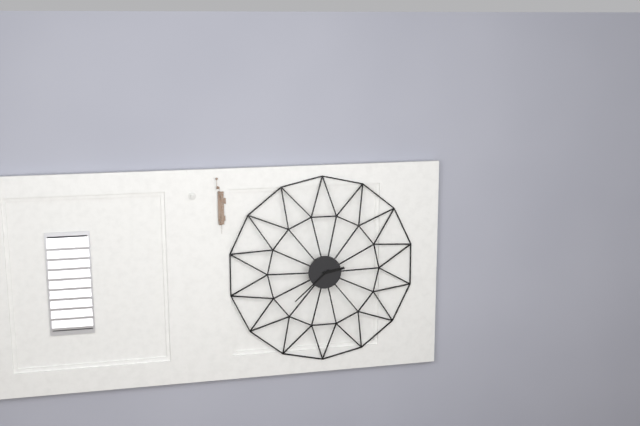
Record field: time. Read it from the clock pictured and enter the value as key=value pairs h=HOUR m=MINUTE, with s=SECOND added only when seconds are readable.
h=2 m=38
